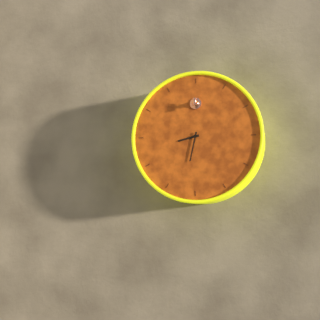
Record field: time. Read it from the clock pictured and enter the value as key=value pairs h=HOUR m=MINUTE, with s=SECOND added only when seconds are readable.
h=8 m=32
